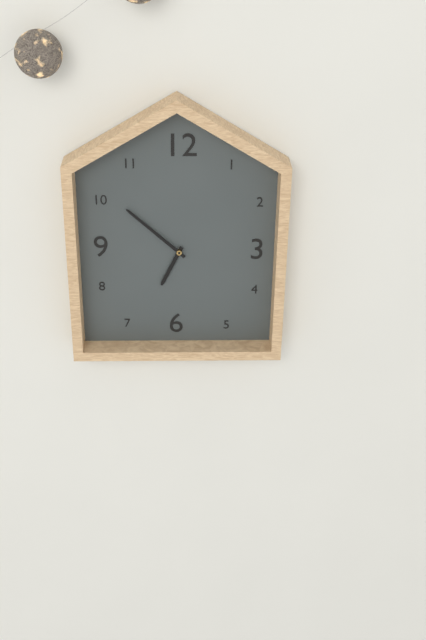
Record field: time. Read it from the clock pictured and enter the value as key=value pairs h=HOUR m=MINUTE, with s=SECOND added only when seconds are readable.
h=6 m=52
